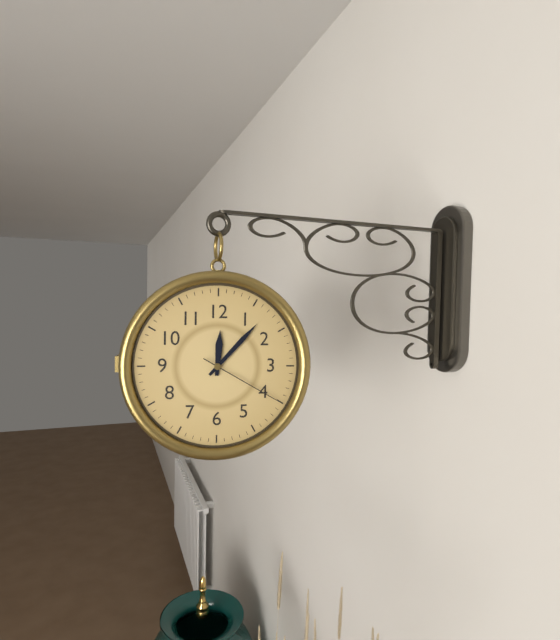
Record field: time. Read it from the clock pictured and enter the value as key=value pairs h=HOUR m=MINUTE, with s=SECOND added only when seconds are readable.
h=12 m=7 s=20
